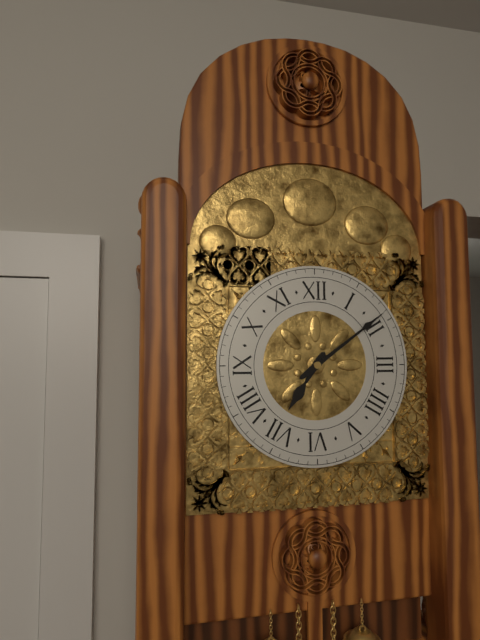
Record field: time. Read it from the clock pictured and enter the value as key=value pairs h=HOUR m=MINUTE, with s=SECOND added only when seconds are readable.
h=7 m=9
